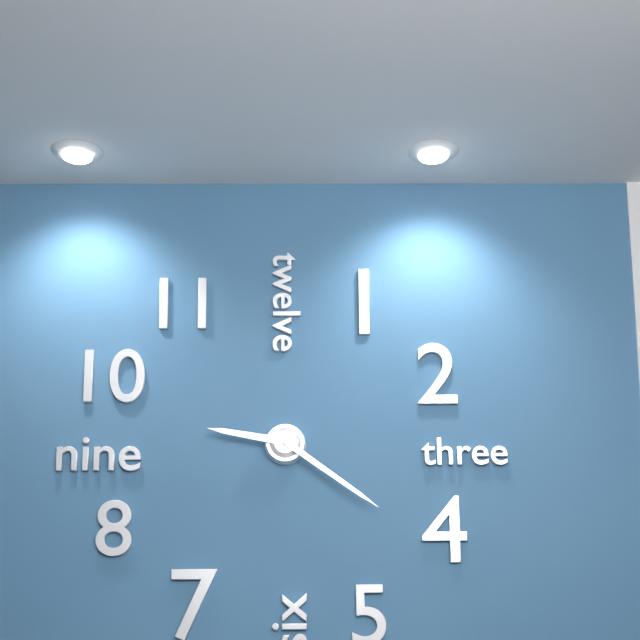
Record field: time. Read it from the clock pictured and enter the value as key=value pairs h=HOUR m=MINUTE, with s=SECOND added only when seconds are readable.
h=9 m=21
